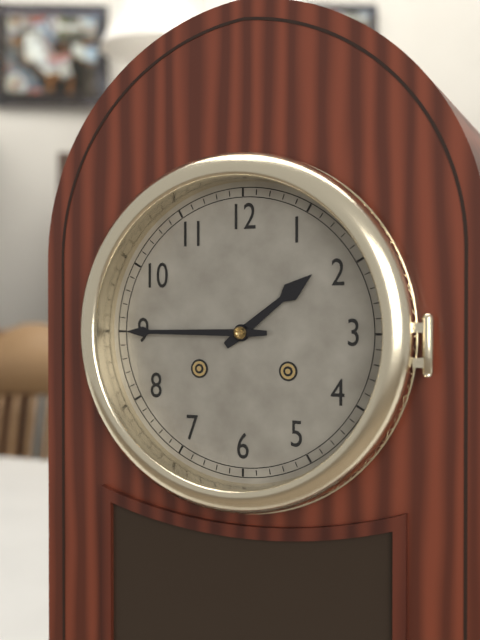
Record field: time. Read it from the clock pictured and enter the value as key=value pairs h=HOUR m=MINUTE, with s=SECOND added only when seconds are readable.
h=1 m=45
